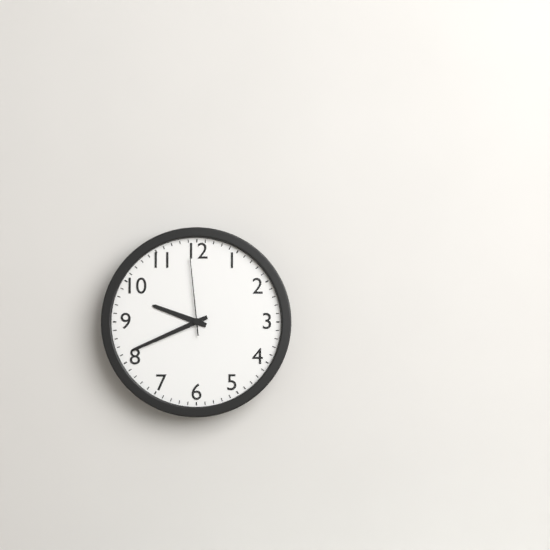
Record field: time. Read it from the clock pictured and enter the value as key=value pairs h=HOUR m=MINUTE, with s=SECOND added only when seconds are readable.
h=9 m=41 s=59
